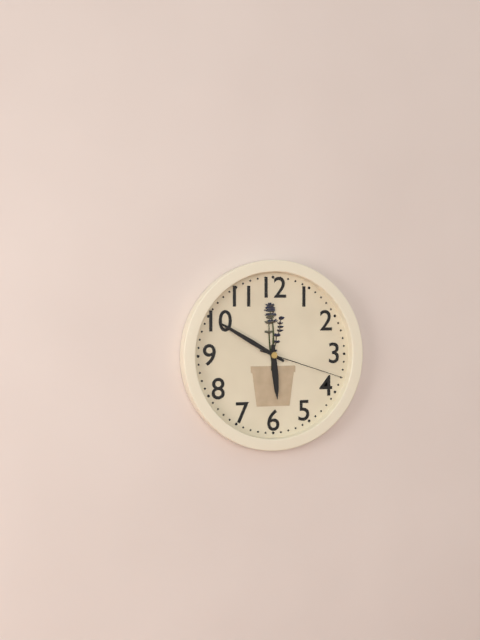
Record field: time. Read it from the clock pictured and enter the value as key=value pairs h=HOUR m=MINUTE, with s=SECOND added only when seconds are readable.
h=5 m=50 s=18
